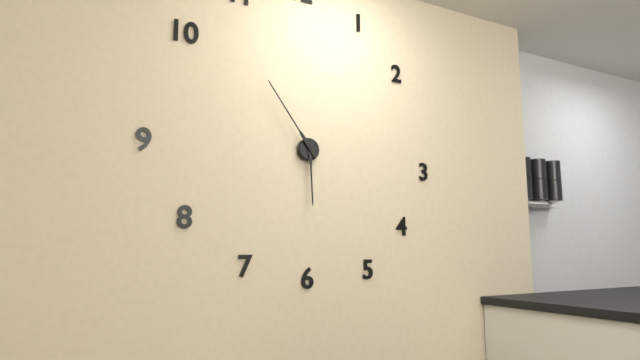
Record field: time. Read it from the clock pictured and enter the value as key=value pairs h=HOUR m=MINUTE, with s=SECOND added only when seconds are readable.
h=5 m=54
